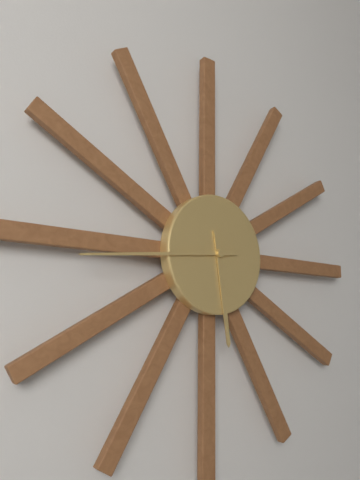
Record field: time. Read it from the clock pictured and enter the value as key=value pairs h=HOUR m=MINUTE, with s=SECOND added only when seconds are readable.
h=5 m=44
